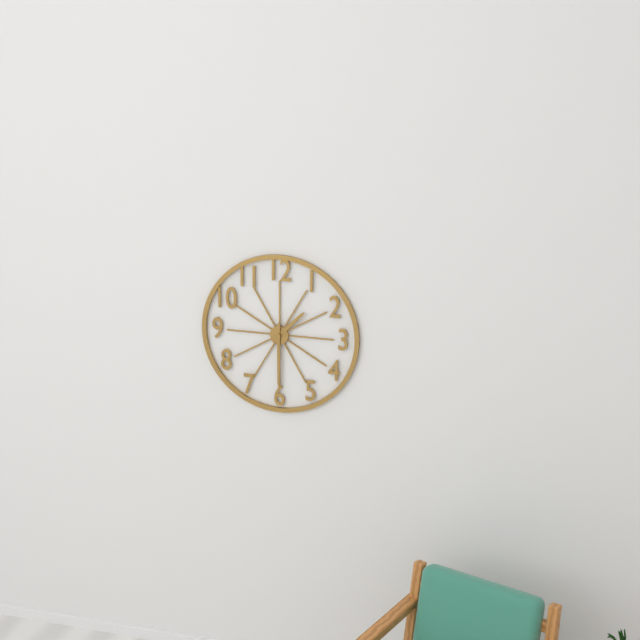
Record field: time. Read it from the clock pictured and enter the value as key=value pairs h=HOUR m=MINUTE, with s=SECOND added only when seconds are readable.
h=1 m=30
